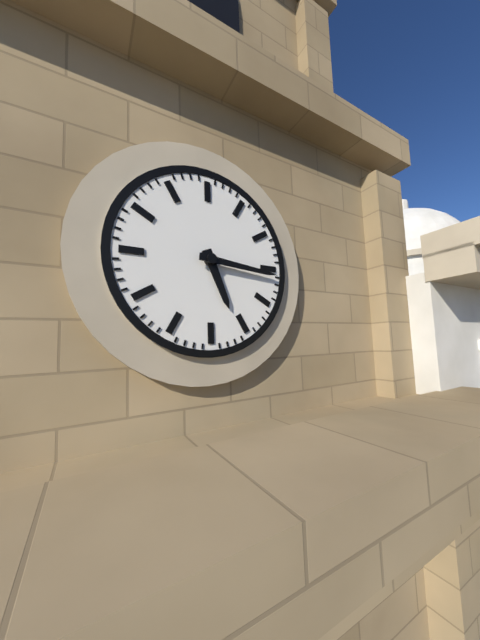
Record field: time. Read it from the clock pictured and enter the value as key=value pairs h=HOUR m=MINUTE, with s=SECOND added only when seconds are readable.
h=5 m=16
